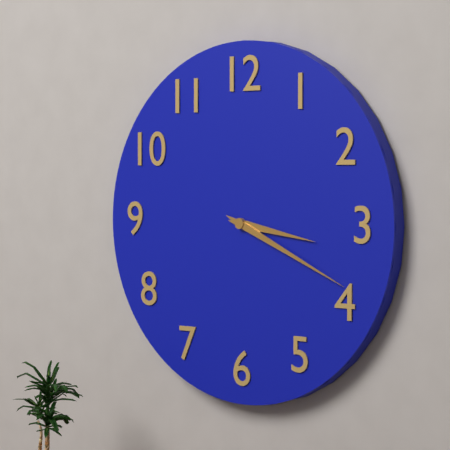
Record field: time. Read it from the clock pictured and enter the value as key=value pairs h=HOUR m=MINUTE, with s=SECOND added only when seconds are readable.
h=3 m=19
